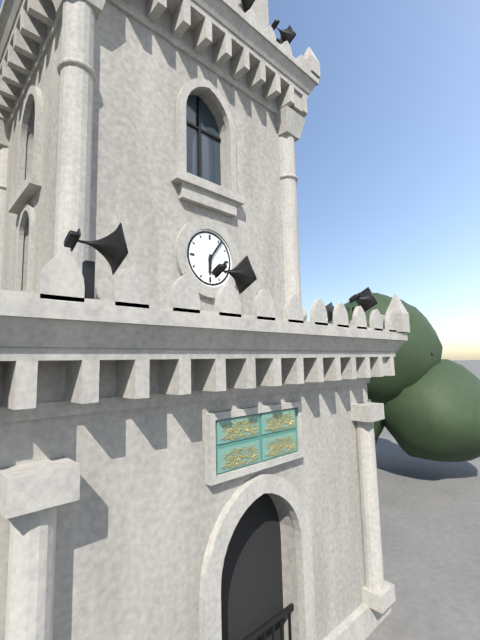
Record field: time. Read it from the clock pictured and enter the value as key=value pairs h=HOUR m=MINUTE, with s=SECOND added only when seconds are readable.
h=6 m=6
